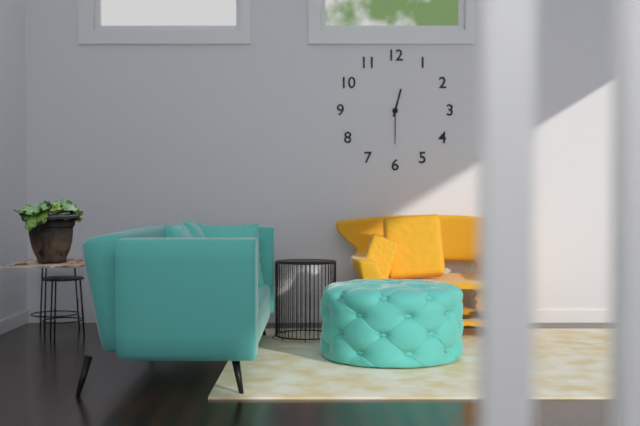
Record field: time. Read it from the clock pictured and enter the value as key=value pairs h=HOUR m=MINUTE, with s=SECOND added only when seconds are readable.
h=12 m=30
